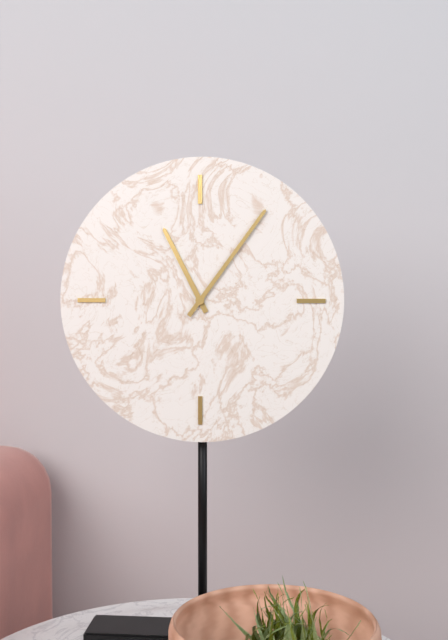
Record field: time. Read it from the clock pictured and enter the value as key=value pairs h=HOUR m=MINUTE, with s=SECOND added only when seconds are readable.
h=11 m=6
